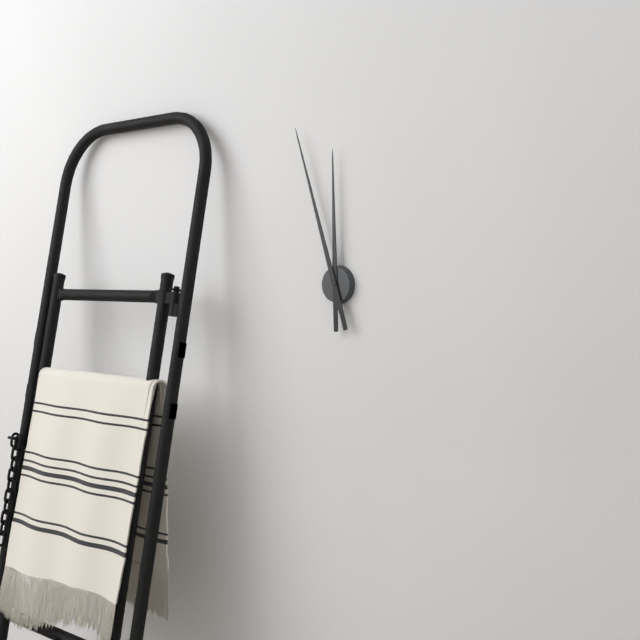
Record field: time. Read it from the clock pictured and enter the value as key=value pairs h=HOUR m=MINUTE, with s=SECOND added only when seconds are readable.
h=11 m=57
